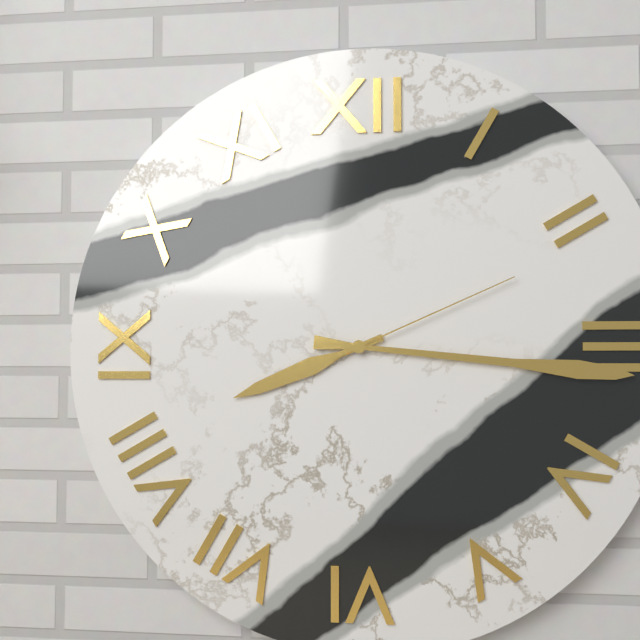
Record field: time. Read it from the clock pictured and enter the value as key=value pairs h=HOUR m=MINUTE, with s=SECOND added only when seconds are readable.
h=8 m=16 s=11
